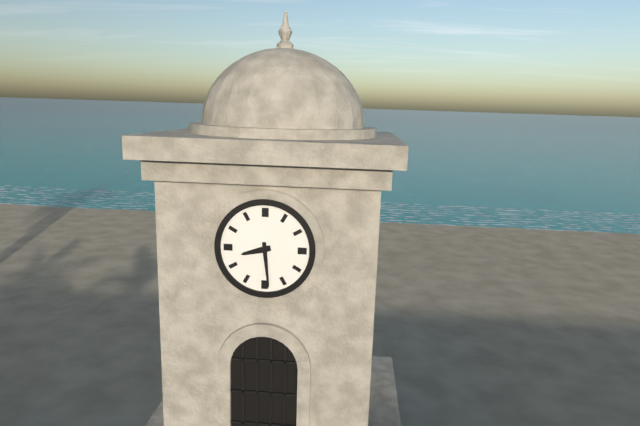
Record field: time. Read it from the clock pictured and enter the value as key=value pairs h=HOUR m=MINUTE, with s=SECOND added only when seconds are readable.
h=8 m=29
